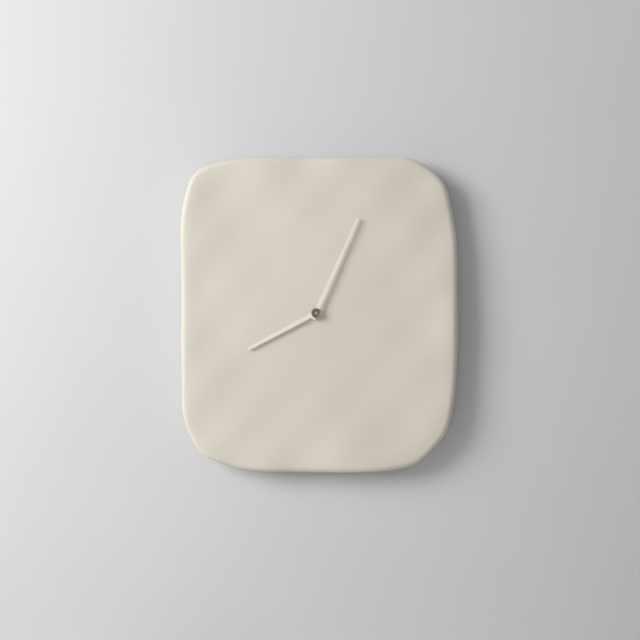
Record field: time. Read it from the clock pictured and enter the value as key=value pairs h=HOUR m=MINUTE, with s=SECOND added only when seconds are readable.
h=8 m=4
